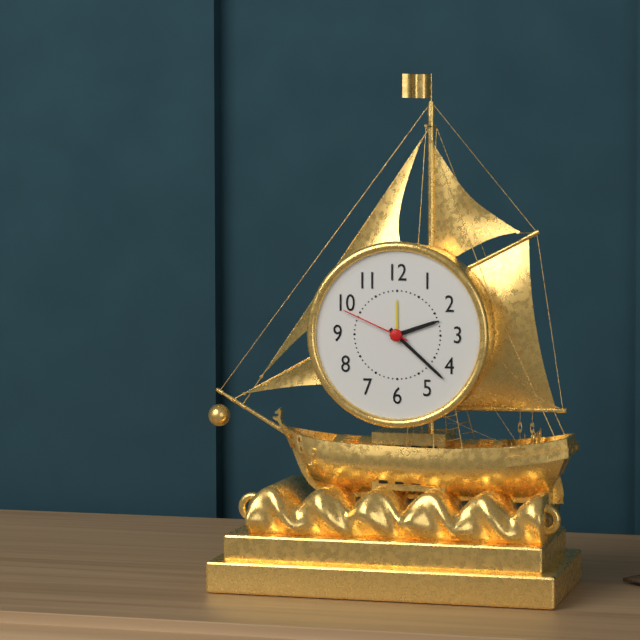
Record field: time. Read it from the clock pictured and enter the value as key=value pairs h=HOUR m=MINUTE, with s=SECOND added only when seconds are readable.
h=2 m=22 s=49
